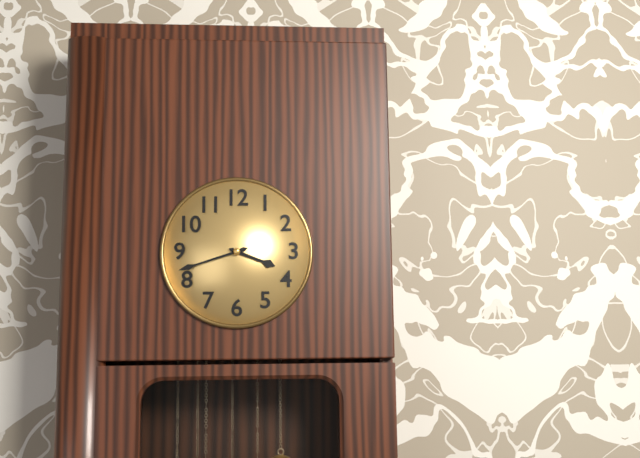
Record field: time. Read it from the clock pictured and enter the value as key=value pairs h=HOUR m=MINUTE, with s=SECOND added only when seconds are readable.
h=3 m=42
